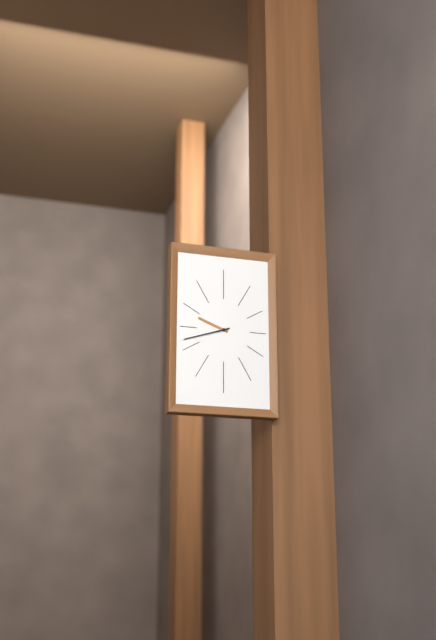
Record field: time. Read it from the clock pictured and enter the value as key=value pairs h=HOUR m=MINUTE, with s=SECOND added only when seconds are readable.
h=9 m=42
